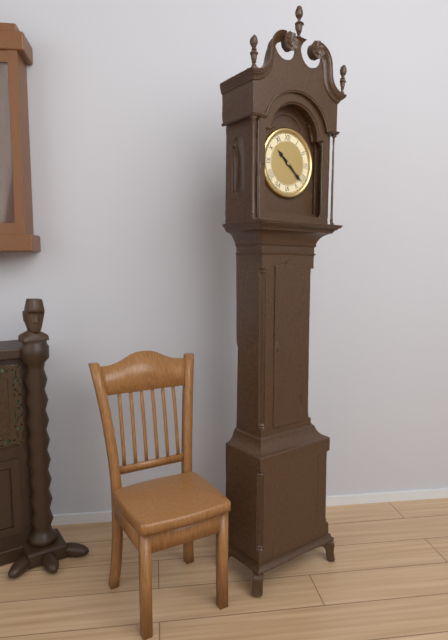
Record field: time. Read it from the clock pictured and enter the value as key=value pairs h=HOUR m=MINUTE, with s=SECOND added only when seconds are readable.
h=10 m=22
